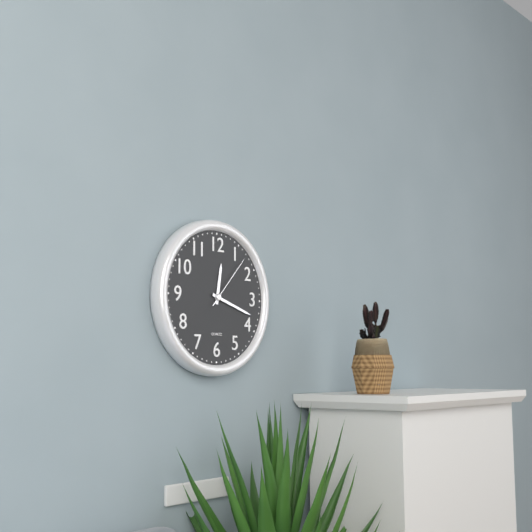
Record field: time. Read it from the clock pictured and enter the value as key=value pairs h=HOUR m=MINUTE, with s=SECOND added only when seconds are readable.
h=12 m=18 s=7
